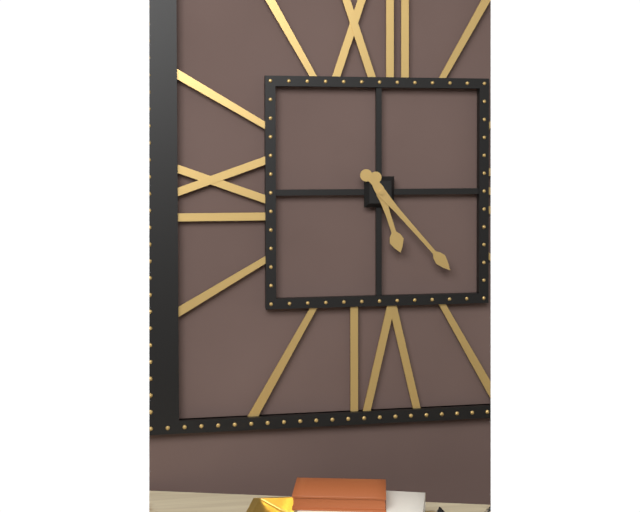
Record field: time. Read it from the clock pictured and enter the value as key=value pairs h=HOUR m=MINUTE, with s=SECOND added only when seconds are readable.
h=5 m=23
